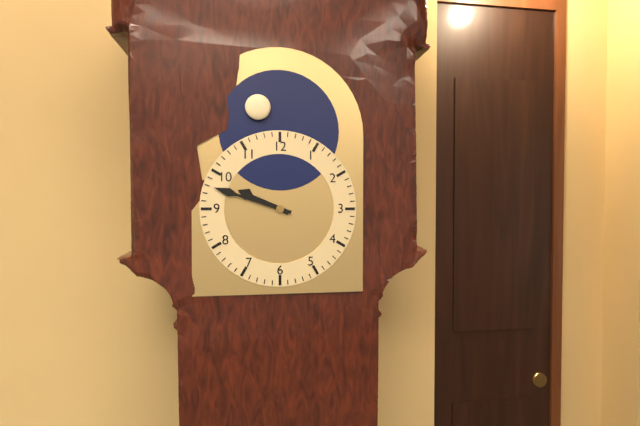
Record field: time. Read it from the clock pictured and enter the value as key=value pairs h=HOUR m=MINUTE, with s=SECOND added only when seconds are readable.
h=9 m=48
